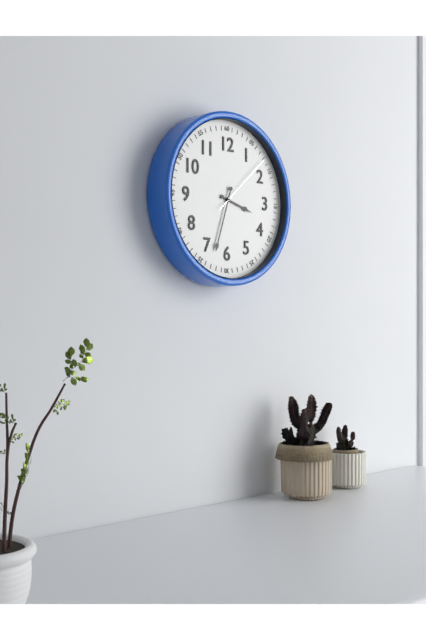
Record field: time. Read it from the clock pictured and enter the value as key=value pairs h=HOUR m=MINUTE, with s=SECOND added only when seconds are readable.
h=3 m=33 s=8
